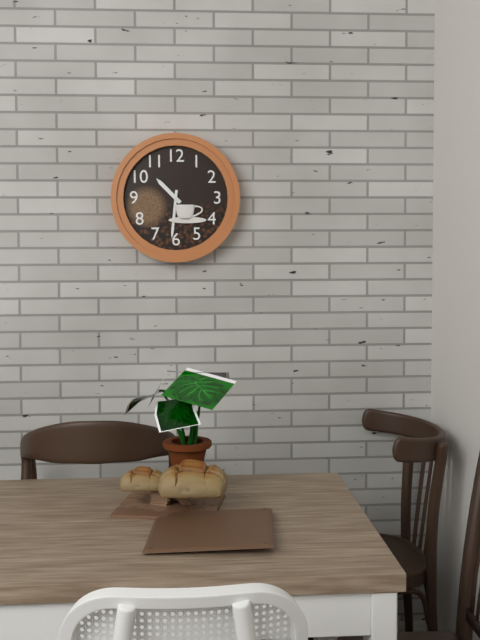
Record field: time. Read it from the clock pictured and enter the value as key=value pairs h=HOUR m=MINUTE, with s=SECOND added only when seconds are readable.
h=10 m=31
